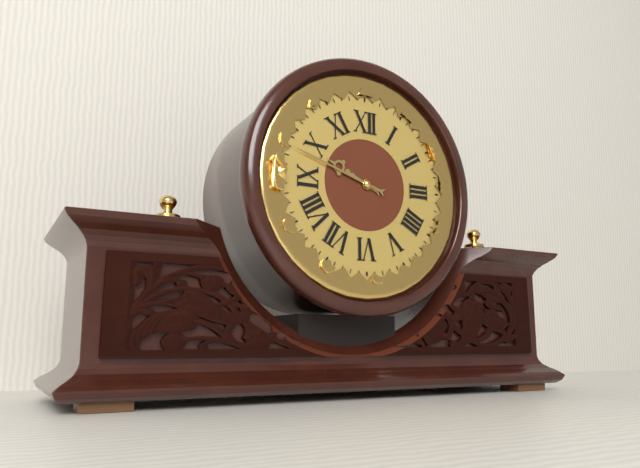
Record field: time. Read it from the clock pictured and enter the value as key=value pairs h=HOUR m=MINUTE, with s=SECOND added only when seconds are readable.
h=9 m=48
